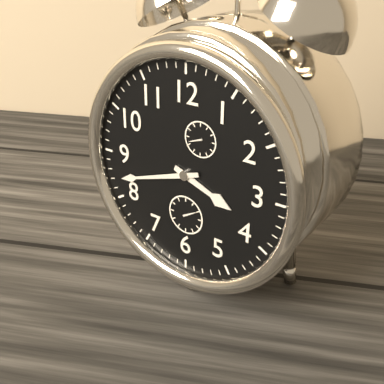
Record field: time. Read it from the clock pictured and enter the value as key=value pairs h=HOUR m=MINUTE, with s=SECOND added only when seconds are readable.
h=3 m=42
